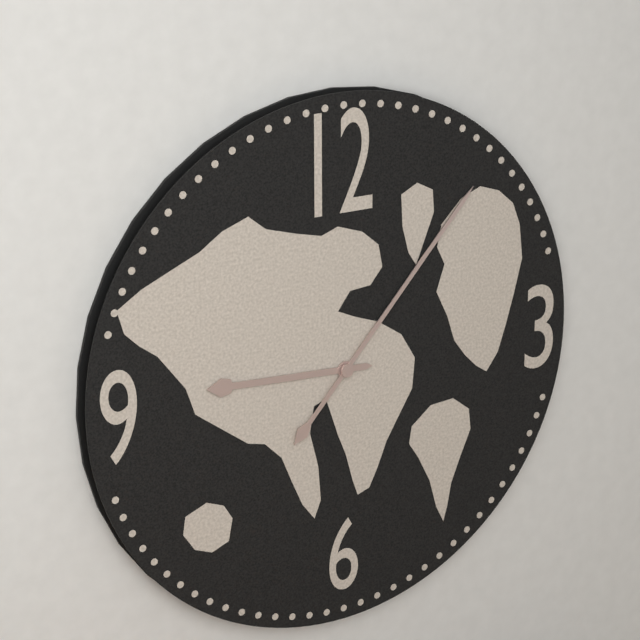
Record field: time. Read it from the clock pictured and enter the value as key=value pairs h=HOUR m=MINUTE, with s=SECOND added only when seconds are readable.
h=9 m=7
